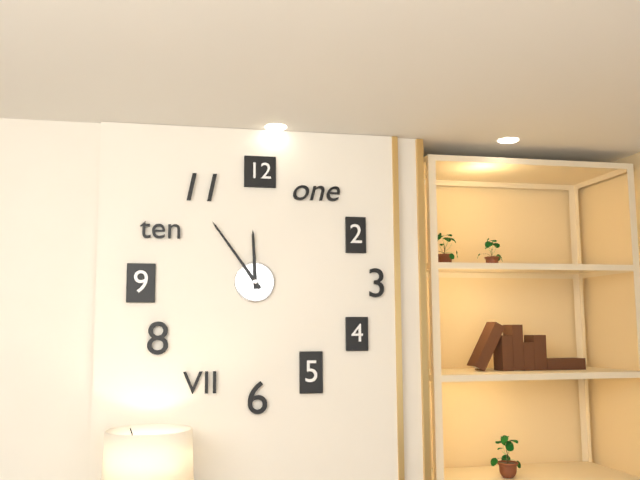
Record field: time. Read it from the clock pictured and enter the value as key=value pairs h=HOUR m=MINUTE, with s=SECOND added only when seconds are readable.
h=11 m=54
